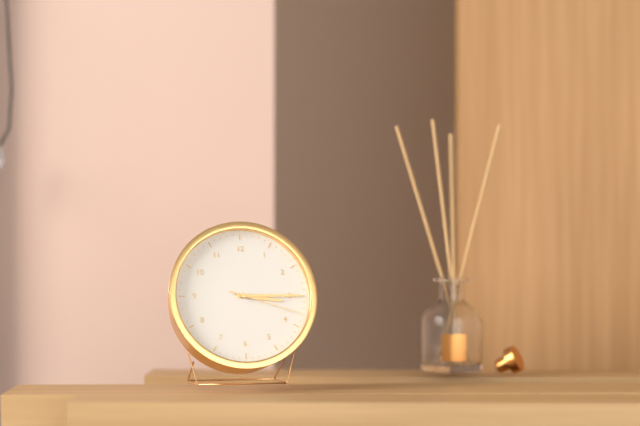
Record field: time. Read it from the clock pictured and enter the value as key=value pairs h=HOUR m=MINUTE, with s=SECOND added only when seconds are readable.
h=3 m=15 s=18
